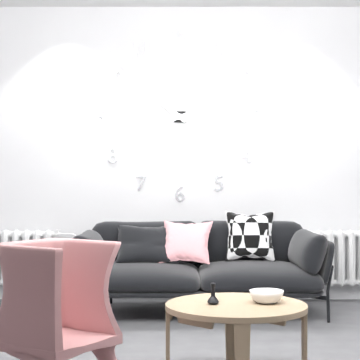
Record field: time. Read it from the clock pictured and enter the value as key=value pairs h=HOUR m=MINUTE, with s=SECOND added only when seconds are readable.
h=10 m=12
